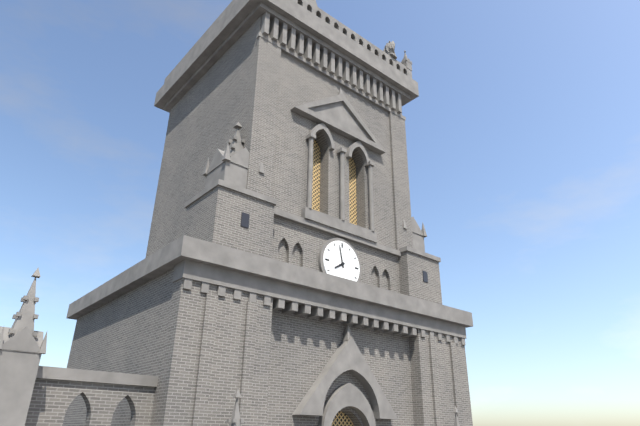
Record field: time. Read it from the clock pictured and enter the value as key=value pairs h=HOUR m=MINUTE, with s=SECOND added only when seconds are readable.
h=7 m=58
